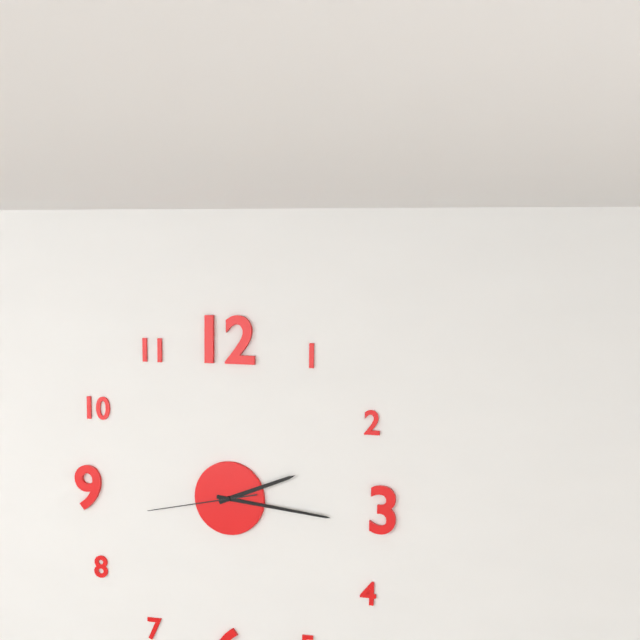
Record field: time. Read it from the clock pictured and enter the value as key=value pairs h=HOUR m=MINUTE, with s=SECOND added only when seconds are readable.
h=2 m=16 s=43
